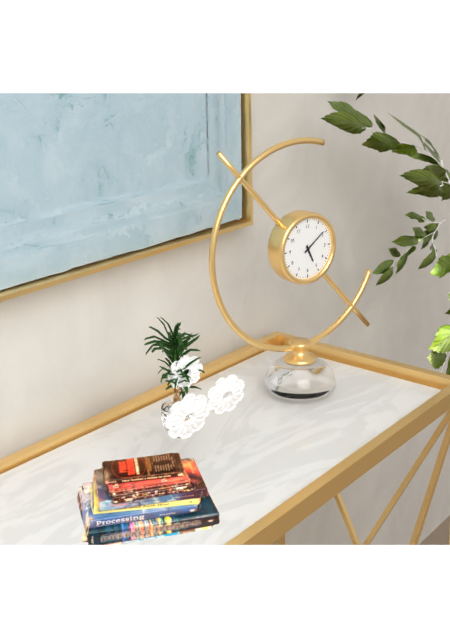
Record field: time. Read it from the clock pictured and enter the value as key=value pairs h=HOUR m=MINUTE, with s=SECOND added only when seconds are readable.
h=5 m=9
